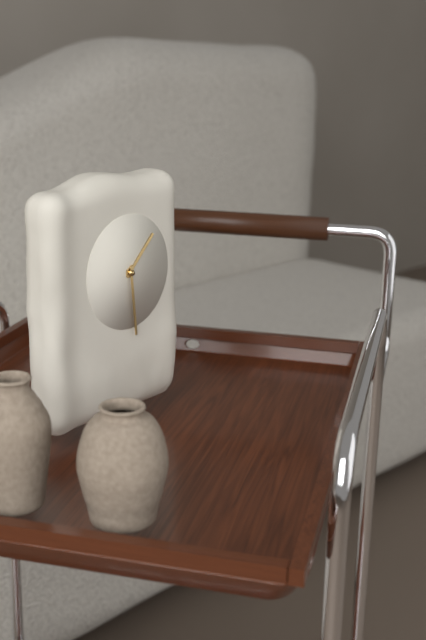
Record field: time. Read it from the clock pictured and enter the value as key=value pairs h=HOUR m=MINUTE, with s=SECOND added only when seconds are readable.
h=1 m=29
